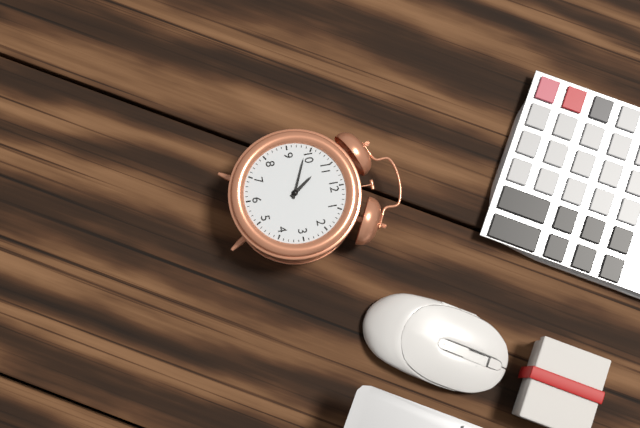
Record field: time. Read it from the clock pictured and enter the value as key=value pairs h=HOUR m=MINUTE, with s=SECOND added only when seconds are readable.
h=10 m=49
